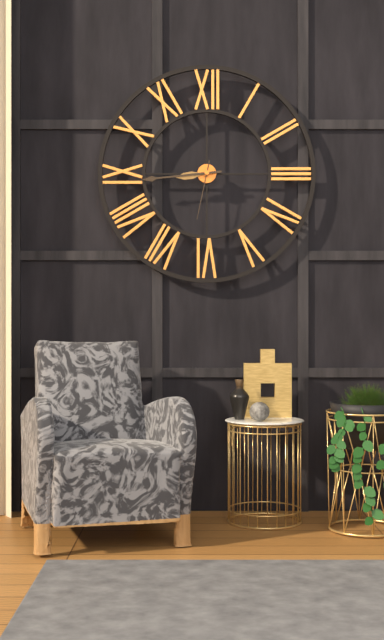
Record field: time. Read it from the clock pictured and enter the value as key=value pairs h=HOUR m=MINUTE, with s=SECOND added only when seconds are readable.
h=8 m=44 s=32
